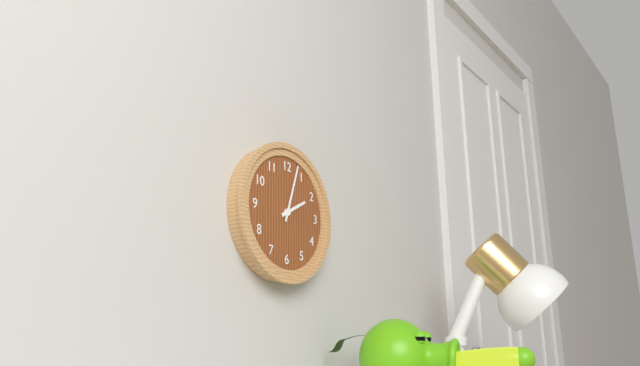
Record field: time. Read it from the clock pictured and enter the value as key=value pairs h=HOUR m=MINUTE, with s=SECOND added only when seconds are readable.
h=2 m=3
